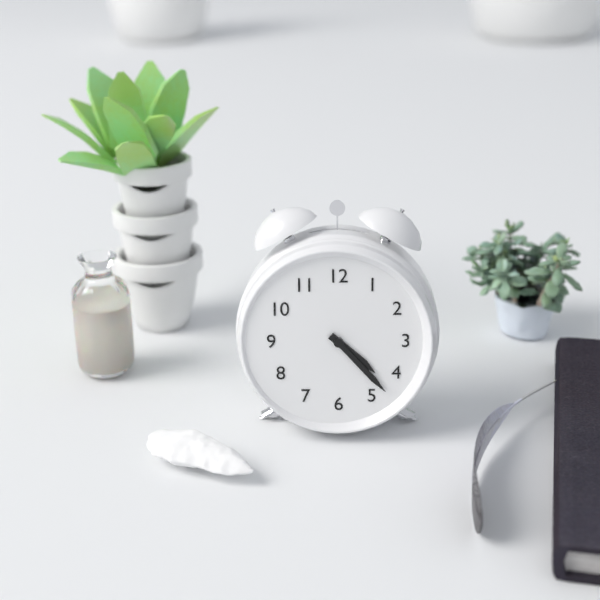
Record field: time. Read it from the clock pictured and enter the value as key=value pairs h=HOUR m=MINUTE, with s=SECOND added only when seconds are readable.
h=4 m=23
